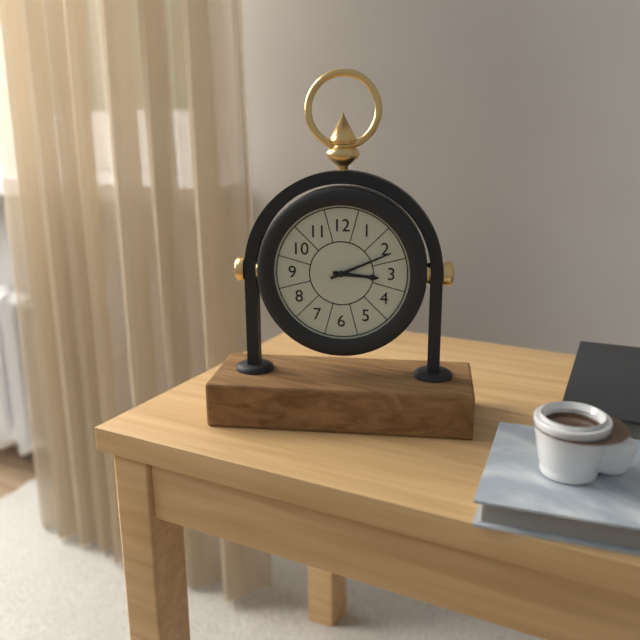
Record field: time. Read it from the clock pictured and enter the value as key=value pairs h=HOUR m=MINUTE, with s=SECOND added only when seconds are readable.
h=3 m=11
